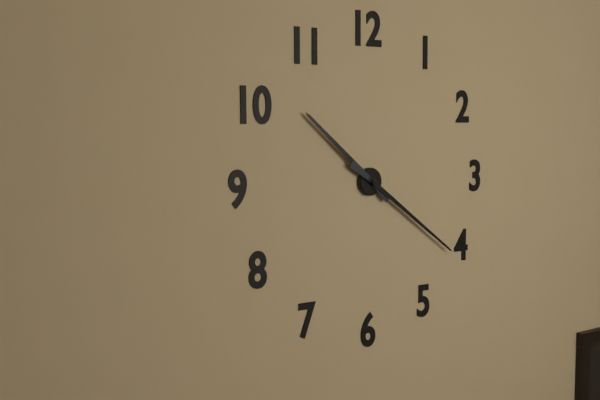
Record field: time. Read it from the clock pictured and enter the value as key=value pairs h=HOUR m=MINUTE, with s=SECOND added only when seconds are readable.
h=10 m=21
